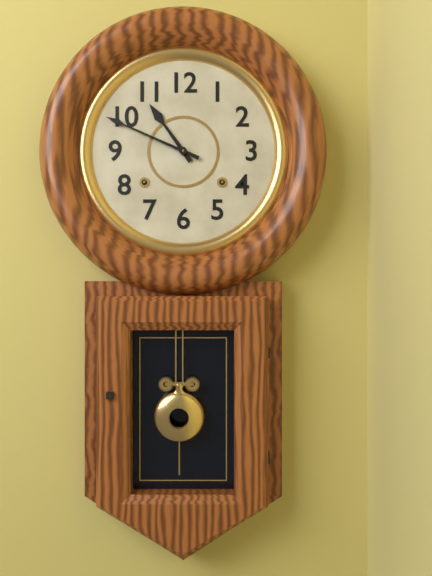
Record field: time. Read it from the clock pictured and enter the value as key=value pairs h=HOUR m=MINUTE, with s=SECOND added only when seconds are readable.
h=10 m=49
